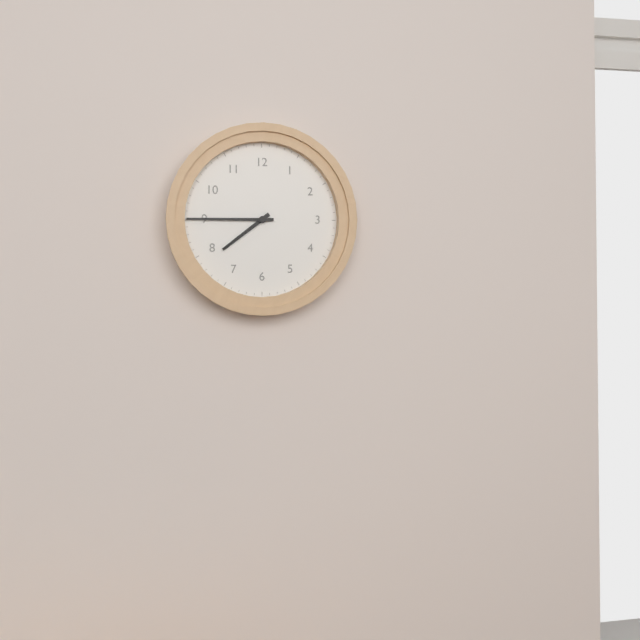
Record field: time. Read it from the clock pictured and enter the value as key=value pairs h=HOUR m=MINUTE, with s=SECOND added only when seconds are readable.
h=7 m=45
